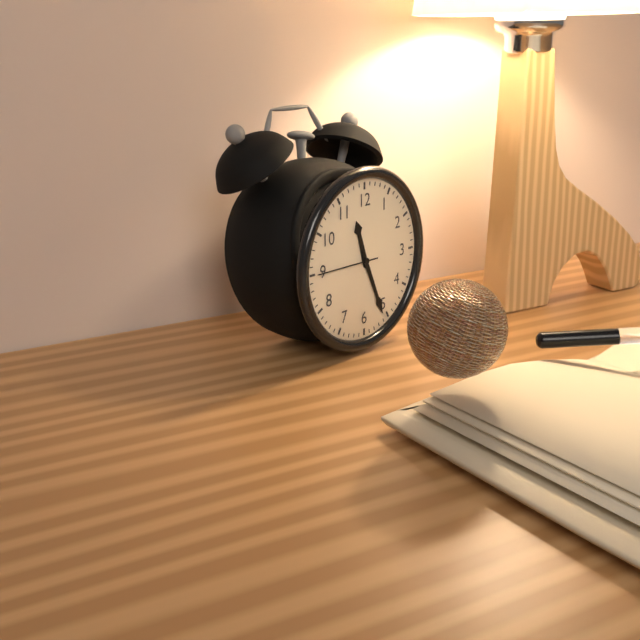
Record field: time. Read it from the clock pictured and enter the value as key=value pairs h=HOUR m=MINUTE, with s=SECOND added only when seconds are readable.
h=11 m=26 s=45
